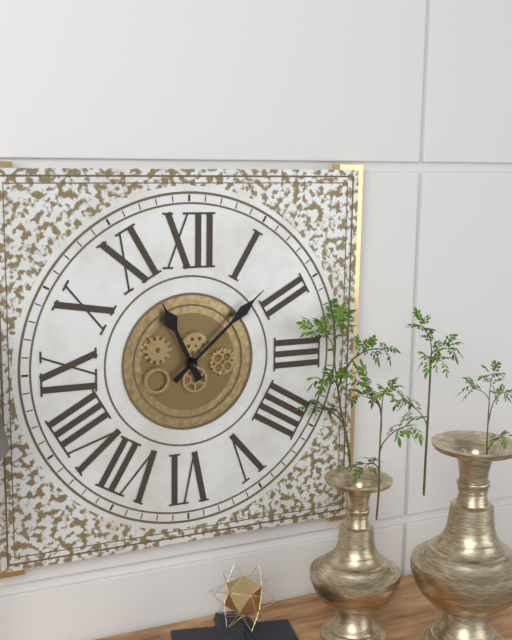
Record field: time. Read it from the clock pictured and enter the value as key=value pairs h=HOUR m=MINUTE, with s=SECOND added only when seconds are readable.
h=11 m=8
